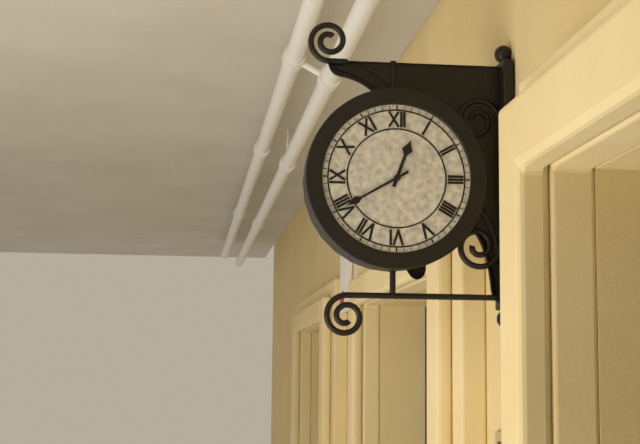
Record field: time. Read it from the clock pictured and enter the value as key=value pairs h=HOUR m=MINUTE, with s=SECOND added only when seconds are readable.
h=12 m=40
